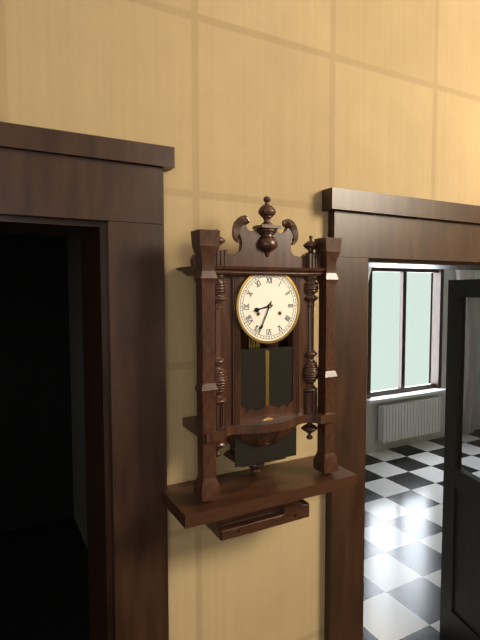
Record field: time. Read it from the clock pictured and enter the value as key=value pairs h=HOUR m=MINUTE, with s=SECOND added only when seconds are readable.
h=8 m=34
